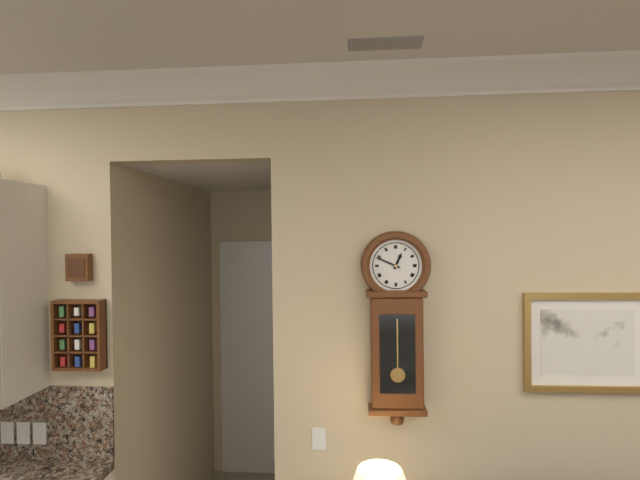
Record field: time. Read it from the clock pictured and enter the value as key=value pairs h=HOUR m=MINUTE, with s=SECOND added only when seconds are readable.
h=12 m=49
